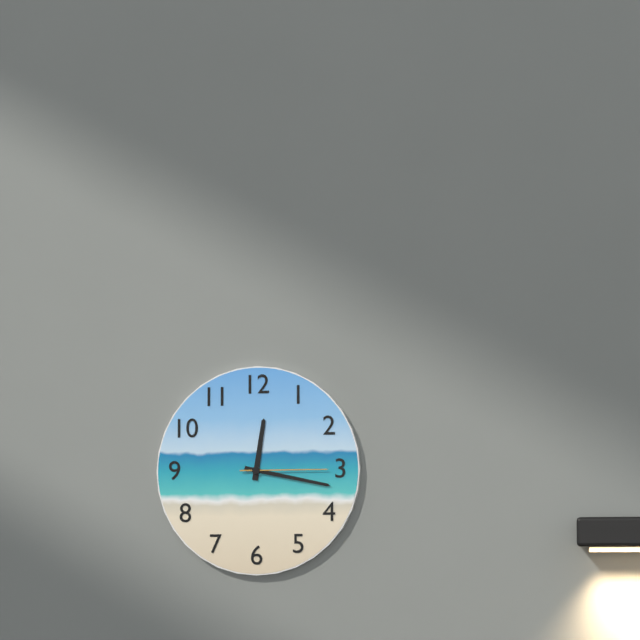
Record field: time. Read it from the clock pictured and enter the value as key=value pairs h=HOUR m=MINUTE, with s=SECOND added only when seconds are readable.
h=12 m=17 s=15
